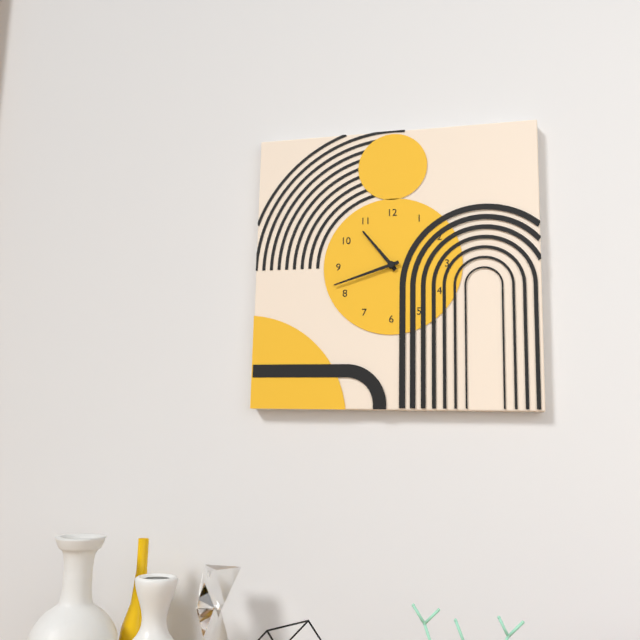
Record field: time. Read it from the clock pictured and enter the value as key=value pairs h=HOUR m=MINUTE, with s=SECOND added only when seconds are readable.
h=10 m=42
